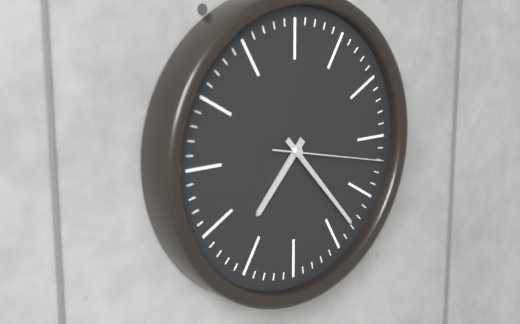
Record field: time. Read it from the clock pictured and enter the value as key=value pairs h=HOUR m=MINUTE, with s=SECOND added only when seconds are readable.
h=7 m=23 s=17
